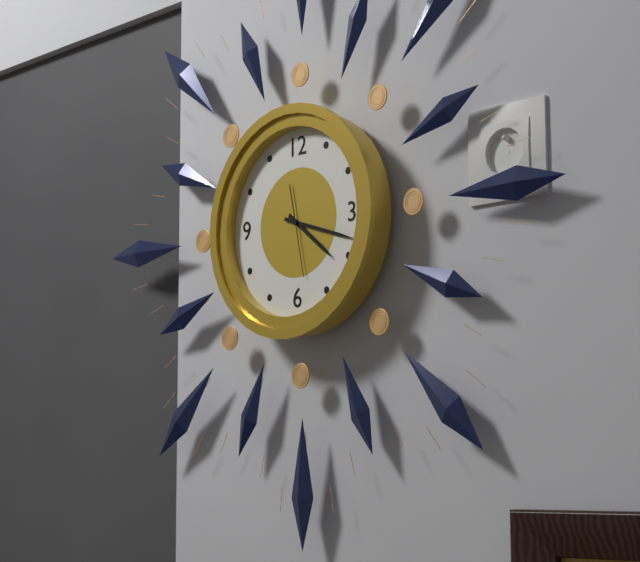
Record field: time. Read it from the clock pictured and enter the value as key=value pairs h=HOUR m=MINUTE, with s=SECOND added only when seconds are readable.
h=4 m=18 s=28
